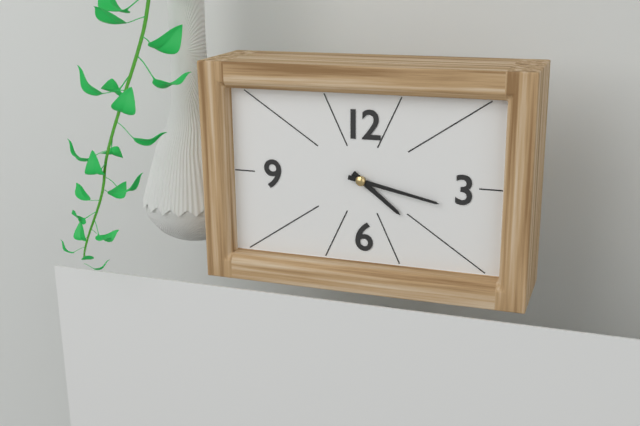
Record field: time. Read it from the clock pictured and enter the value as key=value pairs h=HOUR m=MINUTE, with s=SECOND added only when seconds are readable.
h=4 m=17
